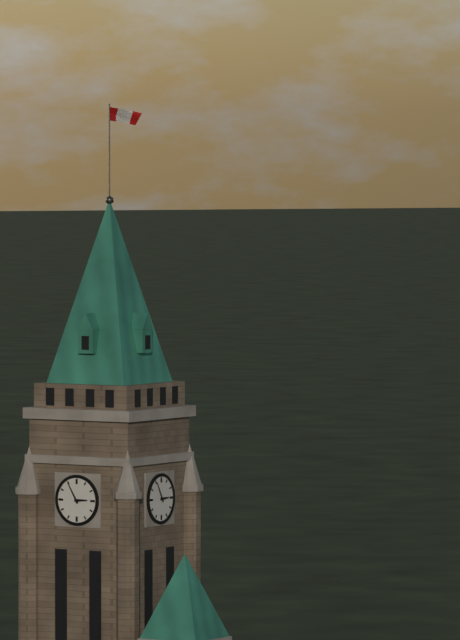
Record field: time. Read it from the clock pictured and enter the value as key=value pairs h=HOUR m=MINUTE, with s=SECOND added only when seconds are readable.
h=2 m=55
